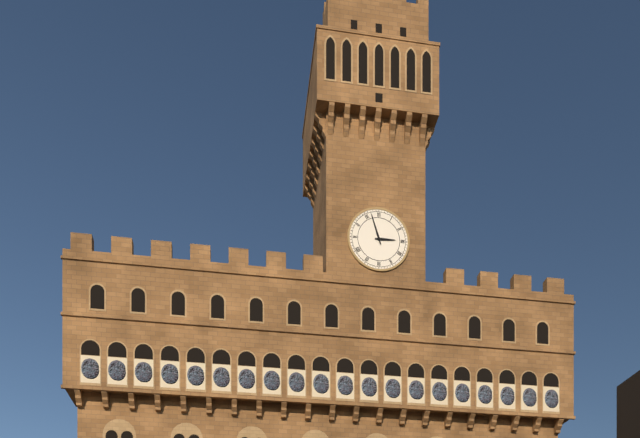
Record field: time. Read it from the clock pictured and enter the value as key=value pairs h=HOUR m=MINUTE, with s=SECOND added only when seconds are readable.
h=2 m=57
